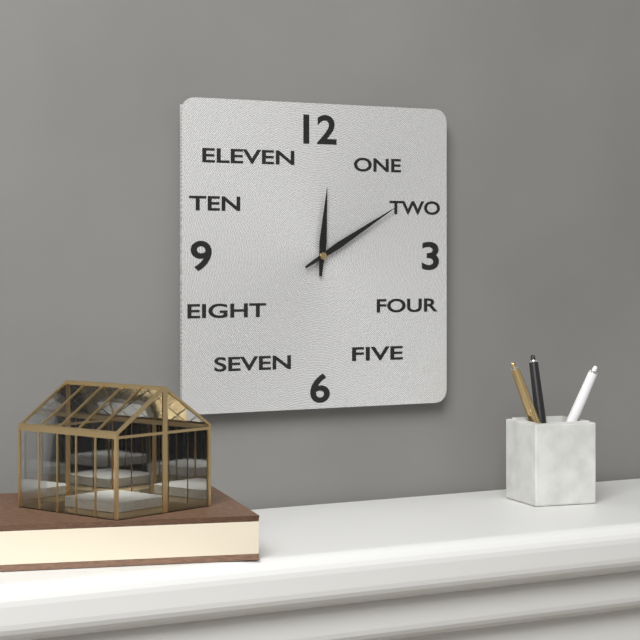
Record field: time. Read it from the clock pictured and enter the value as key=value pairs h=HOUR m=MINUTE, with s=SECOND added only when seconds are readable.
h=12 m=10
